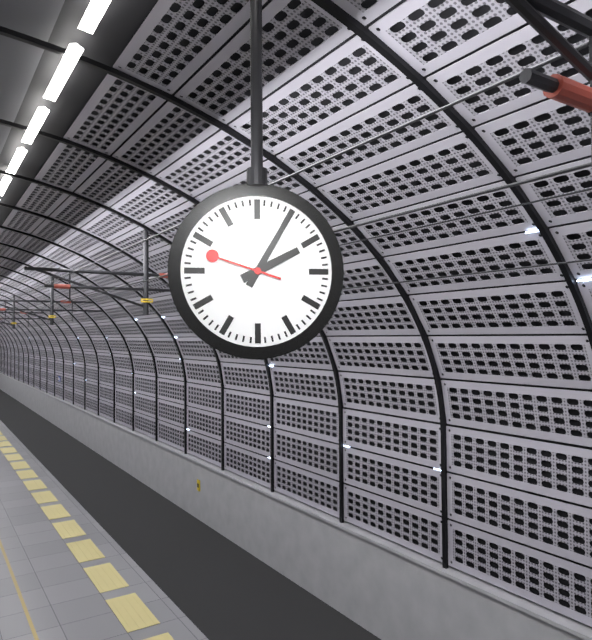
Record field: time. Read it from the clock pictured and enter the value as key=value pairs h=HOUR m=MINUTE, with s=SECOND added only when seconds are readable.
h=2 m=5 s=48
